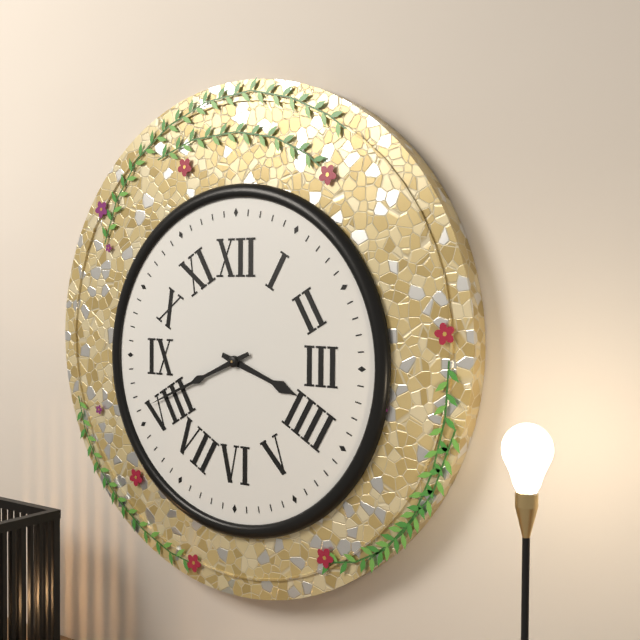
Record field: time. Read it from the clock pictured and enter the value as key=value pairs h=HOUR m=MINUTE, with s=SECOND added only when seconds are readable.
h=3 m=41
